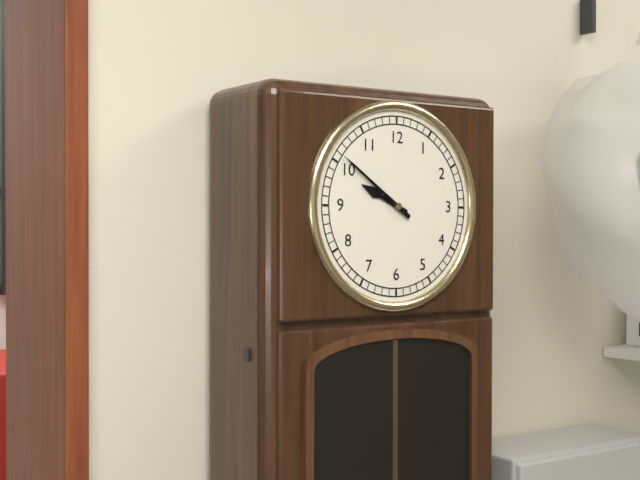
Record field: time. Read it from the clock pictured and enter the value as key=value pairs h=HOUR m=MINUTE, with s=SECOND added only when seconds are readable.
h=9 m=51
